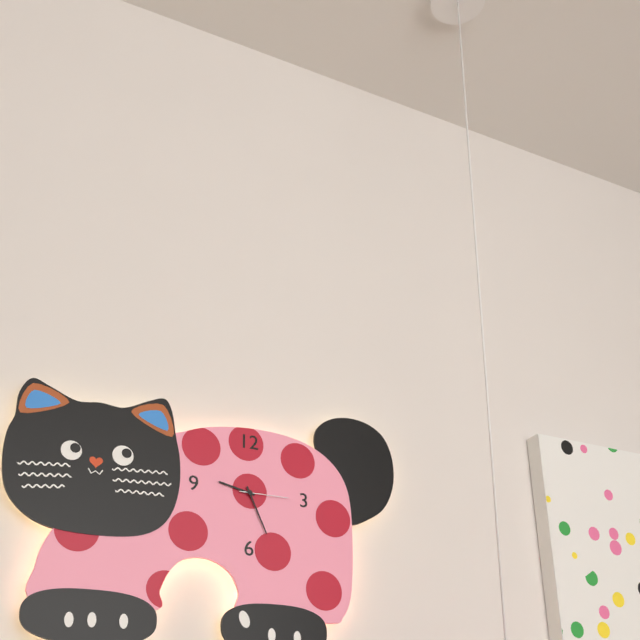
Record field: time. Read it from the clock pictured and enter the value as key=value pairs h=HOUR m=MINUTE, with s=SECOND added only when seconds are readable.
h=9 m=26 s=15
